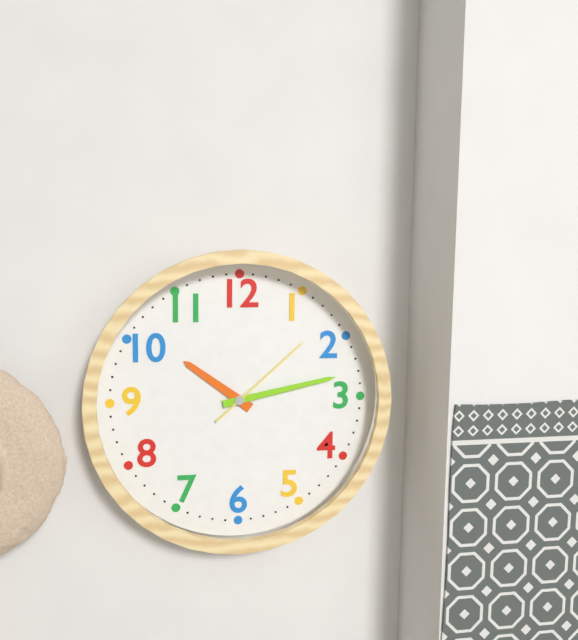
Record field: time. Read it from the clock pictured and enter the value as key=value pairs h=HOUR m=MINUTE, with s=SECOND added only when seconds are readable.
h=10 m=13 s=8
